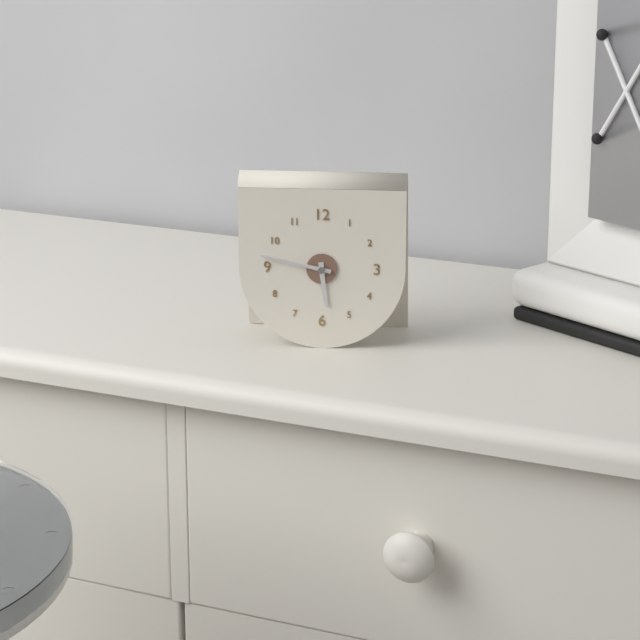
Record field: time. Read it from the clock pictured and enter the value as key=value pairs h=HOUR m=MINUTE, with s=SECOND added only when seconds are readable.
h=5 m=47
